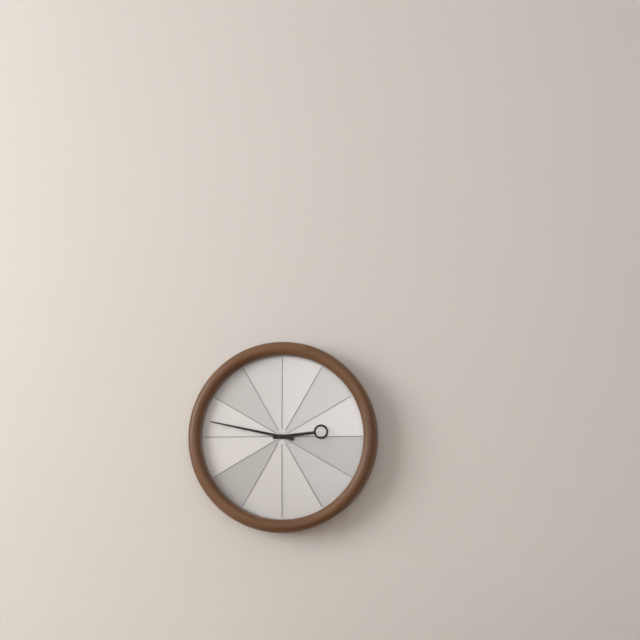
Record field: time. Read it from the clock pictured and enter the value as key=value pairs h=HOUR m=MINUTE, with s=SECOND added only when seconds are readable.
h=2 m=47
